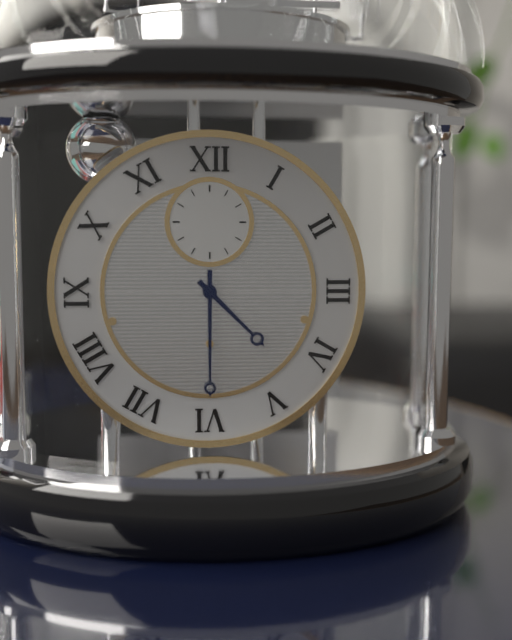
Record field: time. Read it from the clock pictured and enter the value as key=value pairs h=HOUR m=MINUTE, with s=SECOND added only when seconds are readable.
h=4 m=30
